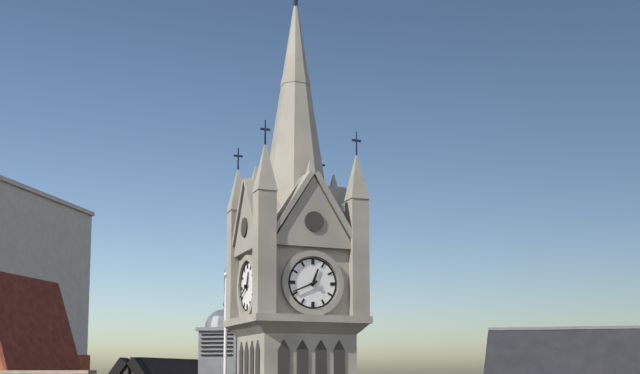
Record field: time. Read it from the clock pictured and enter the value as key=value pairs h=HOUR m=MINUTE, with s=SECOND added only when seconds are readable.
h=12 m=41
